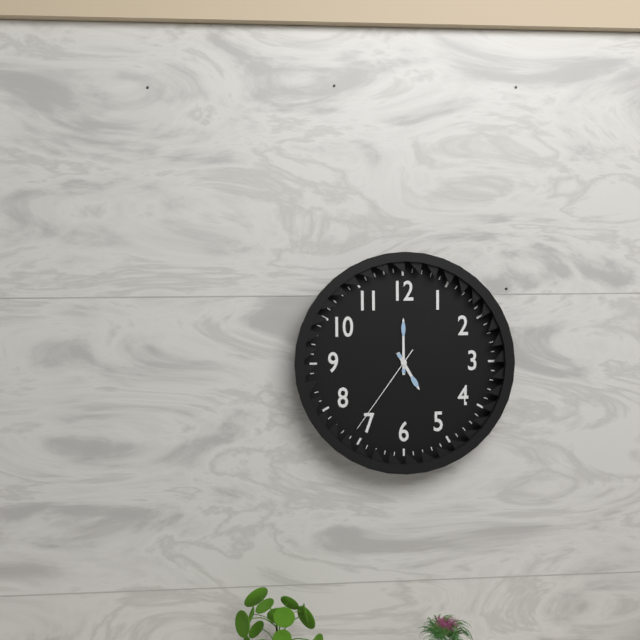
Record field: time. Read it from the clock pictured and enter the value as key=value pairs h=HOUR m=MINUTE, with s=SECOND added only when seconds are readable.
h=5 m=0 s=36
